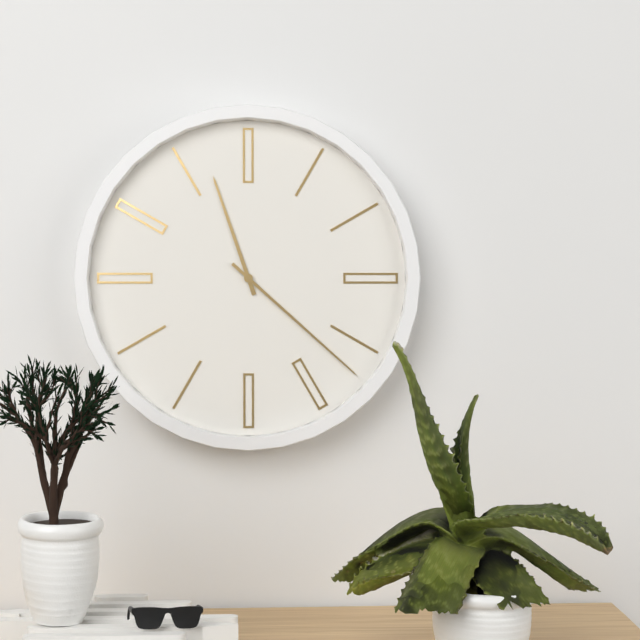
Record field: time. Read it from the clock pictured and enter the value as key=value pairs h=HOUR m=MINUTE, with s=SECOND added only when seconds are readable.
h=11 m=22
